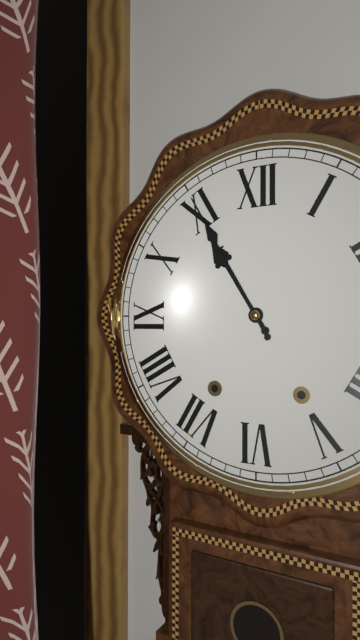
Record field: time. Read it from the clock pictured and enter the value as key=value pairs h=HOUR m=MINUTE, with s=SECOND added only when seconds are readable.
h=10 m=55
